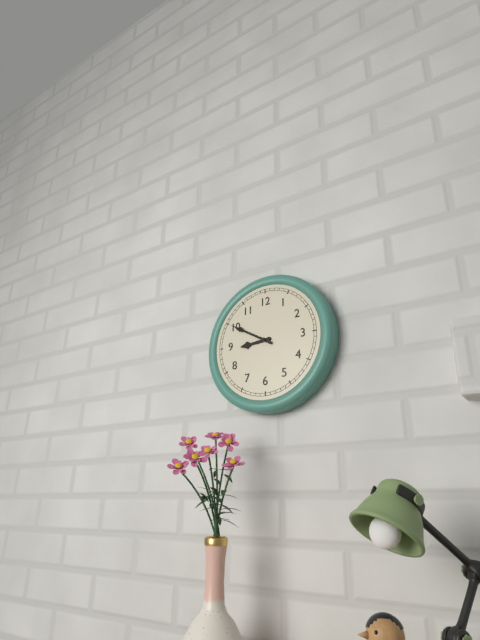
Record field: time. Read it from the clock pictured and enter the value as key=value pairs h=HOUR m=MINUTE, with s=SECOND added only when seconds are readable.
h=8 m=50
